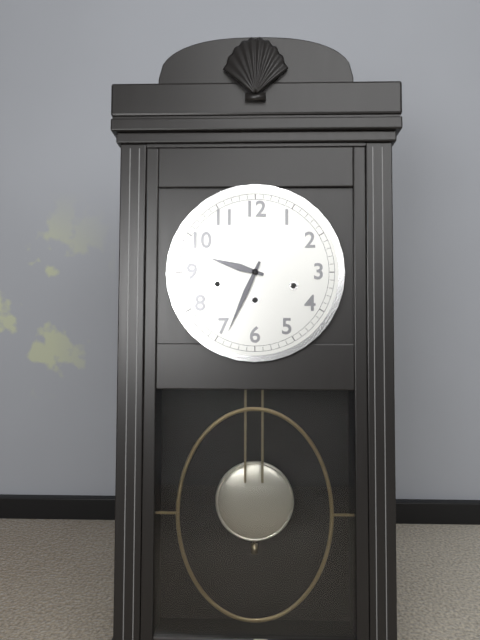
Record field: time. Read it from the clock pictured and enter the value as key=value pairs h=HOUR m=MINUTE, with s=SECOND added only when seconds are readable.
h=9 m=34
